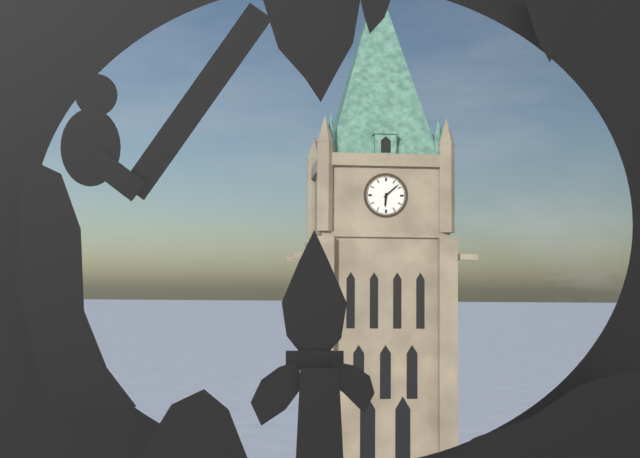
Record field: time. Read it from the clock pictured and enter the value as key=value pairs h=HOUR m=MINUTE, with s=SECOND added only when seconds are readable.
h=6 m=8
